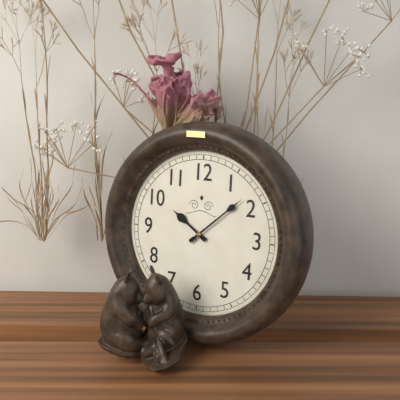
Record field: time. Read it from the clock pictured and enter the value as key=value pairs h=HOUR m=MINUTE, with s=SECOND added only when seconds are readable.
h=10 m=8
